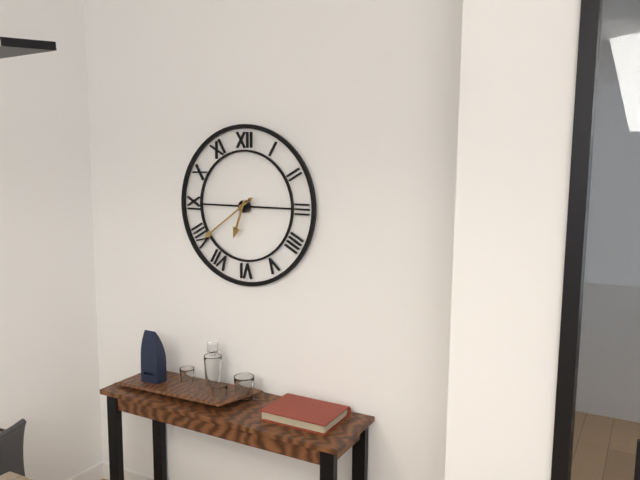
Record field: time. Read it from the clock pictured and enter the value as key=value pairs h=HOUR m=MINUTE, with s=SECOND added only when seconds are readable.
h=6 m=39
